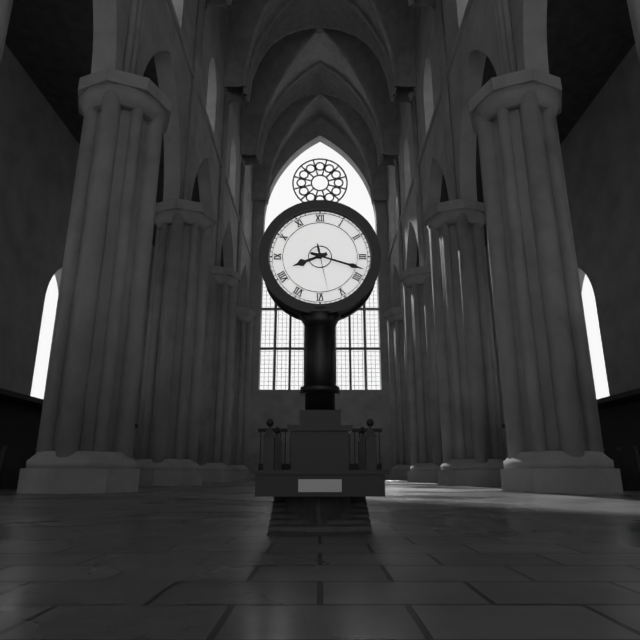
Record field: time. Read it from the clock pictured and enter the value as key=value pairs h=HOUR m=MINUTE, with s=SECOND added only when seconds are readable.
h=8 m=18 s=28
